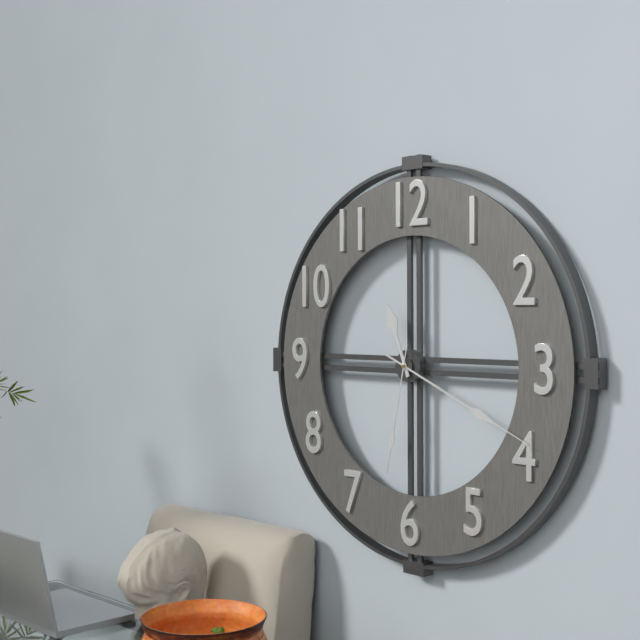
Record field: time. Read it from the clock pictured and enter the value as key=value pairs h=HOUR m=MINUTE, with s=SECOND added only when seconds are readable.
h=11 m=19 s=32
